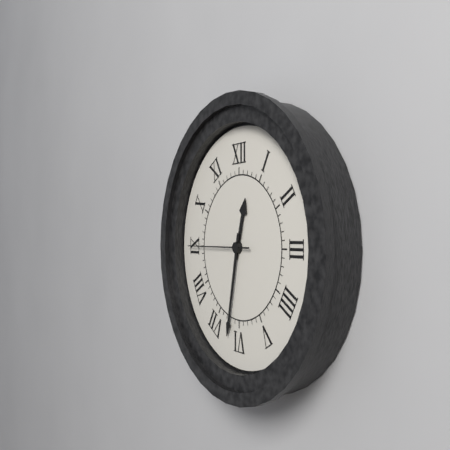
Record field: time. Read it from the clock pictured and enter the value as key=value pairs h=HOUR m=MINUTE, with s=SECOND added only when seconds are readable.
h=12 m=32 s=45
